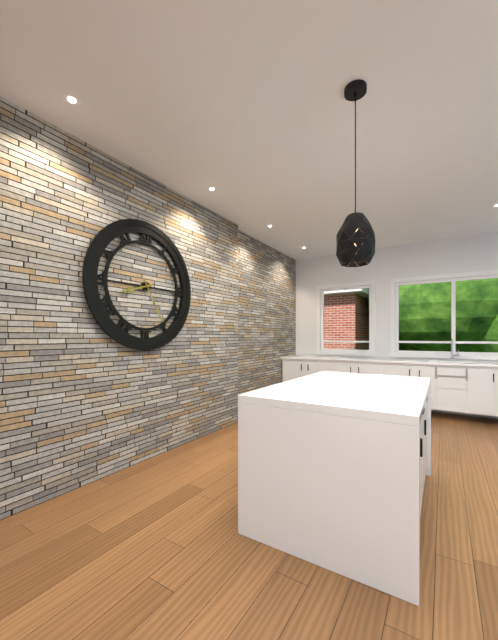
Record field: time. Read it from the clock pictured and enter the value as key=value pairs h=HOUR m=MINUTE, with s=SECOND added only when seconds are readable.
h=8 m=25
